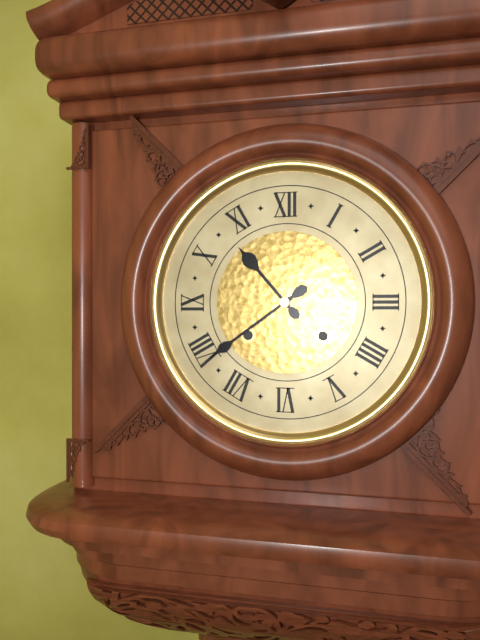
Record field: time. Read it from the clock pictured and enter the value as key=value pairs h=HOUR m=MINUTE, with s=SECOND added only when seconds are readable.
h=10 m=39
